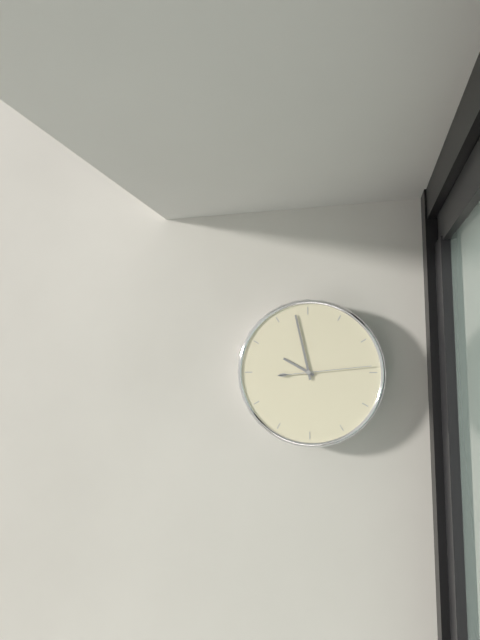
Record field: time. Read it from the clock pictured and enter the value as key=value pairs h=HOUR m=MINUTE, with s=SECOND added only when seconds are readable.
h=9 m=58 s=14
